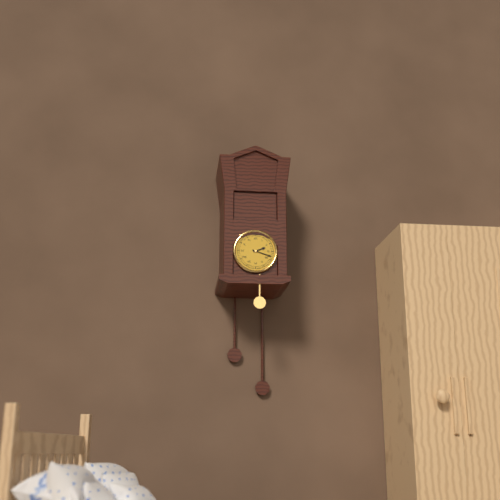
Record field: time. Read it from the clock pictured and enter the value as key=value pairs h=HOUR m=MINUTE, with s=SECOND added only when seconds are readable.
h=2 m=18
